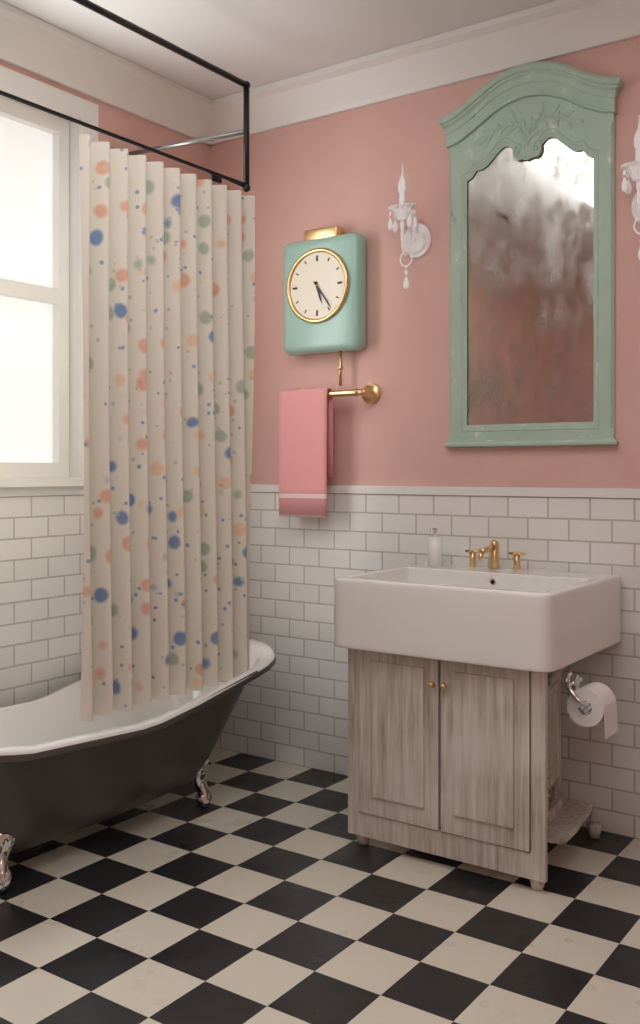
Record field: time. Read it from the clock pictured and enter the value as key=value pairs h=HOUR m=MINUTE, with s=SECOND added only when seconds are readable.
h=5 m=24
